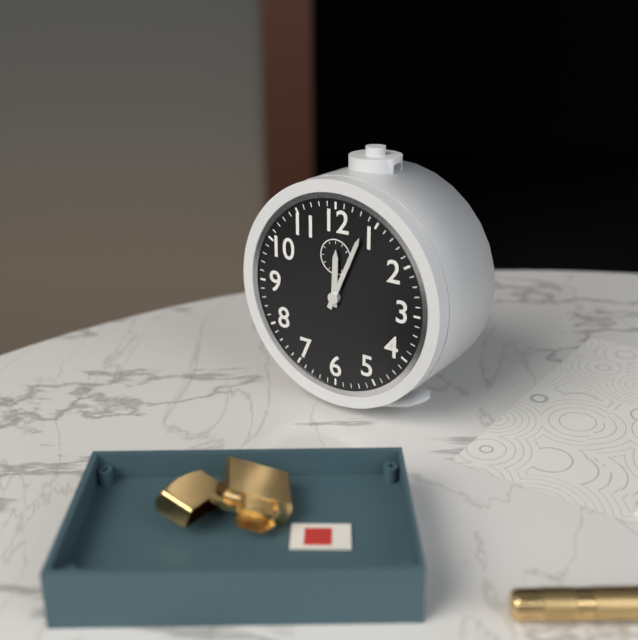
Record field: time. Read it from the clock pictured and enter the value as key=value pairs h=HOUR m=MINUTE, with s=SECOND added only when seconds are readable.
h=12 m=4
